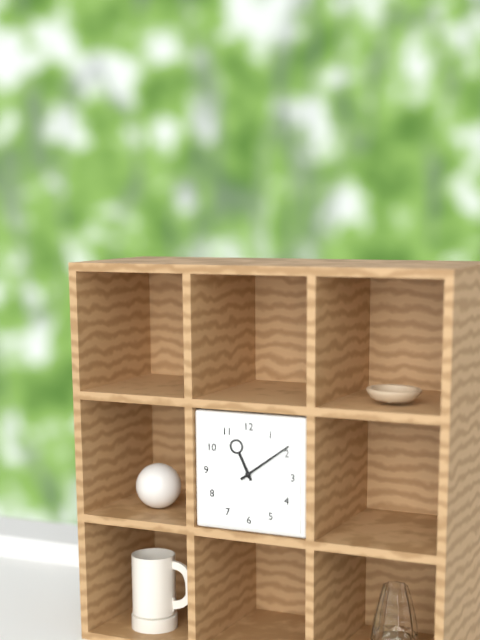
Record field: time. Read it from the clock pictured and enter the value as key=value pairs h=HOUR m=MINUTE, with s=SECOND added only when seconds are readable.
h=11 m=9
